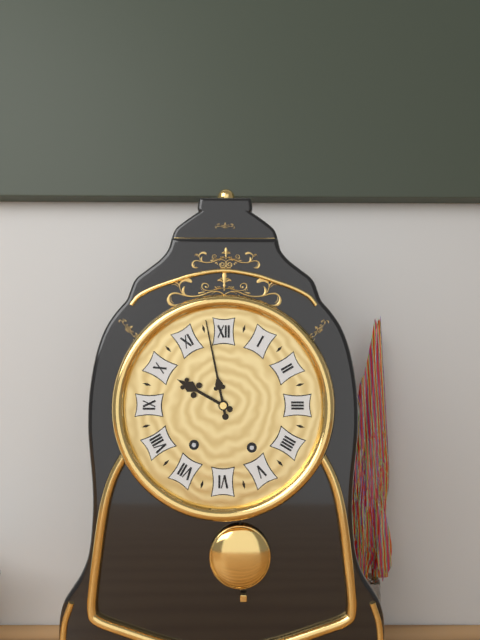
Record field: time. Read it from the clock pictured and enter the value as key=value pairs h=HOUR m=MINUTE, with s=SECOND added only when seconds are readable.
h=9 m=58
